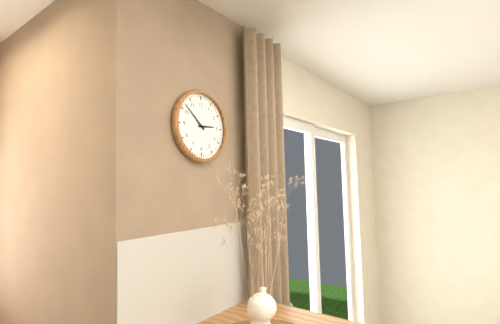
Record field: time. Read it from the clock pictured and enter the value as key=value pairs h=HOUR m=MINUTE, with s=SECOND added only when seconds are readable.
h=2 m=52
